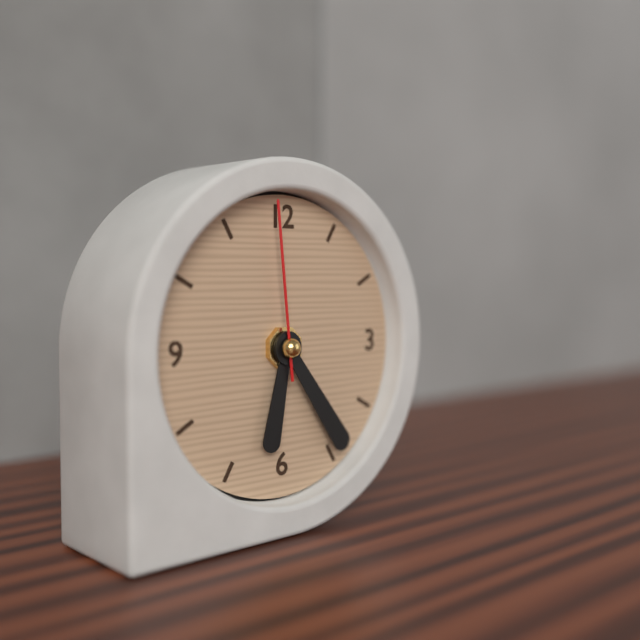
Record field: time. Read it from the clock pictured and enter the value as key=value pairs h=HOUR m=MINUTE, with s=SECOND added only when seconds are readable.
h=6 m=24 s=59
